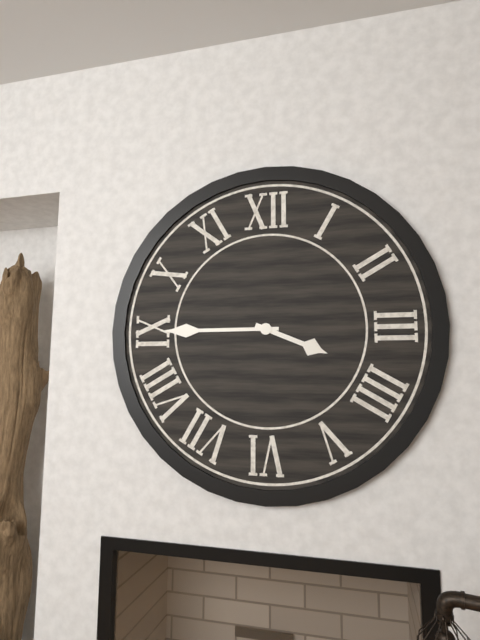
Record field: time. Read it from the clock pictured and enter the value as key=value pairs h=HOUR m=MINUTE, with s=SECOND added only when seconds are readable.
h=3 m=45
